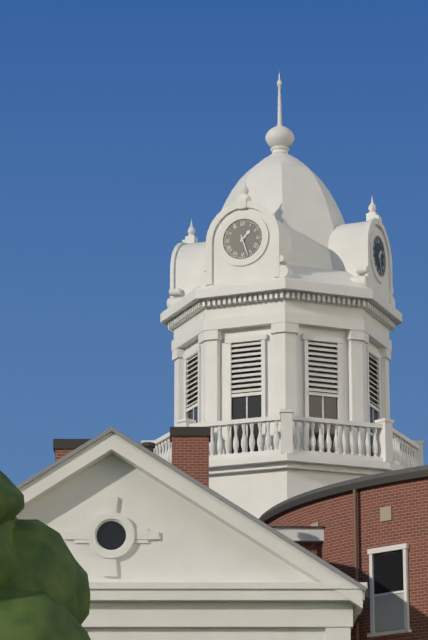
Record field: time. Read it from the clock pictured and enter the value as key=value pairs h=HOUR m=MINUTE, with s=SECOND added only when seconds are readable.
h=1 m=27
